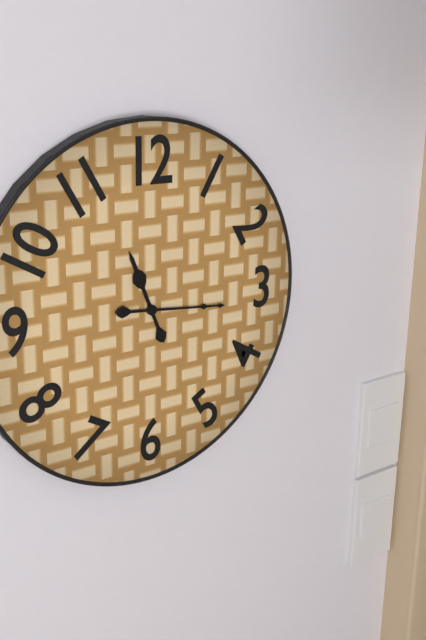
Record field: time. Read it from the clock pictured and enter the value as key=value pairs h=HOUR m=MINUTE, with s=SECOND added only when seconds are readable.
h=11 m=16
